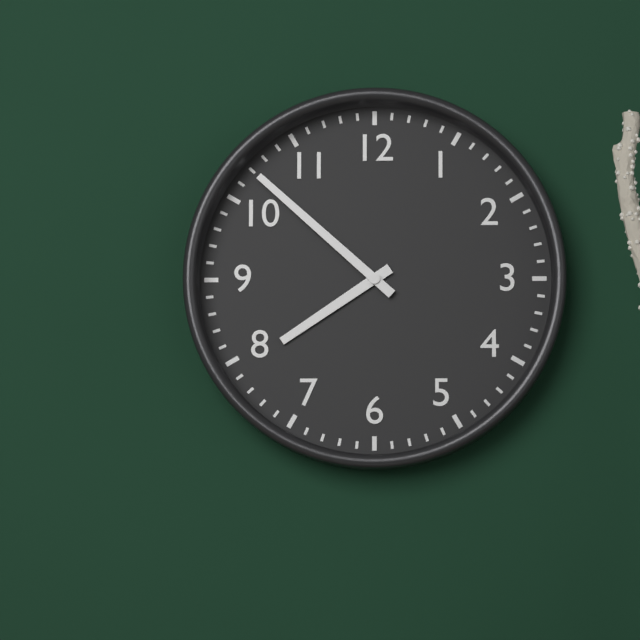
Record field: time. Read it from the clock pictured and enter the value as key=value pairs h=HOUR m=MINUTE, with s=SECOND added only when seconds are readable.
h=7 m=52
